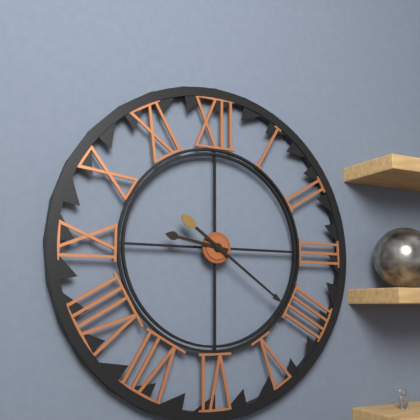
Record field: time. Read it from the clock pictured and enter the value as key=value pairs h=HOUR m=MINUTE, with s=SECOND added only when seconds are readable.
h=9 m=21
